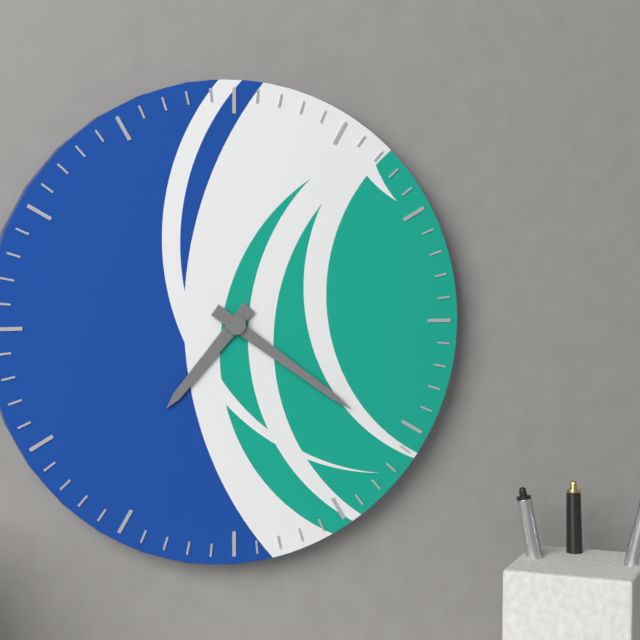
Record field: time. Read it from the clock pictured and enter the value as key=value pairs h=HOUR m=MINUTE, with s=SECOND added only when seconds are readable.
h=7 m=21
